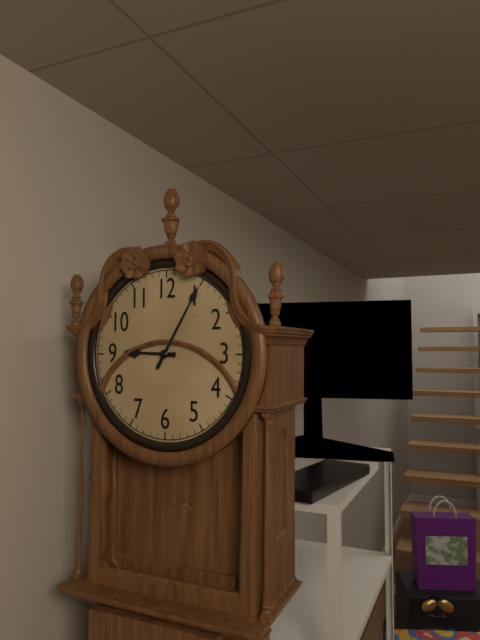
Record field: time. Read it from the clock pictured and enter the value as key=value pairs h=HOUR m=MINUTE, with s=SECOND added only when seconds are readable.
h=9 m=5
